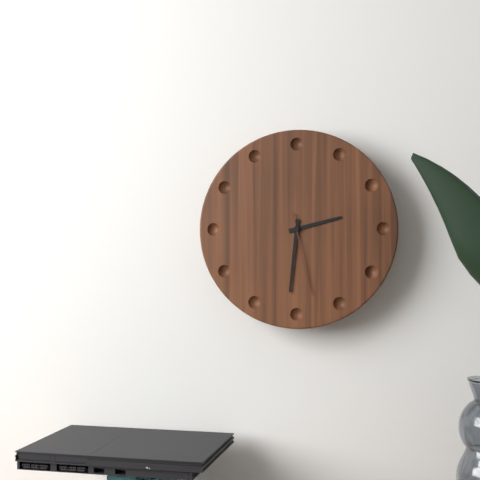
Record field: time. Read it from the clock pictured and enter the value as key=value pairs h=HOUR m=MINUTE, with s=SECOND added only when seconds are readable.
h=2 m=31 s=28
